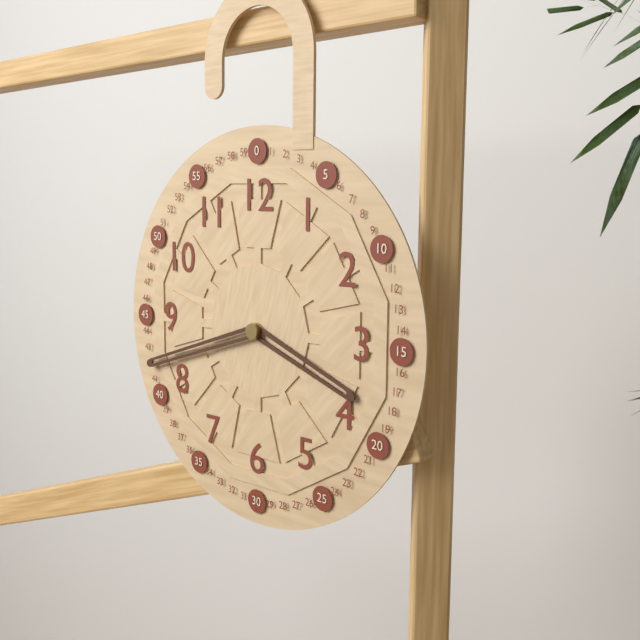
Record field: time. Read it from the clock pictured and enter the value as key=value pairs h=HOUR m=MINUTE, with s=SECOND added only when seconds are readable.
h=3 m=42
